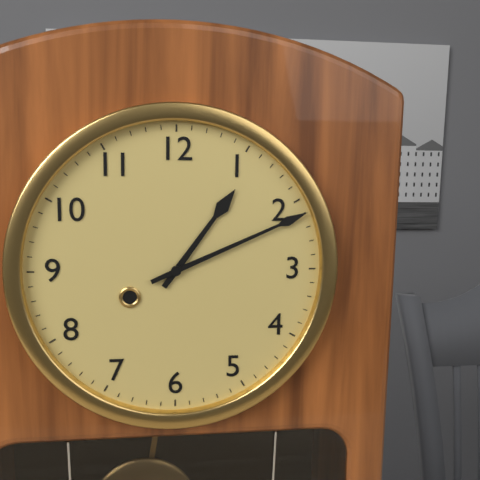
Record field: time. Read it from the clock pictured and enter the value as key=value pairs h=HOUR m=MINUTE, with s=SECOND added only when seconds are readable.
h=1 m=11
